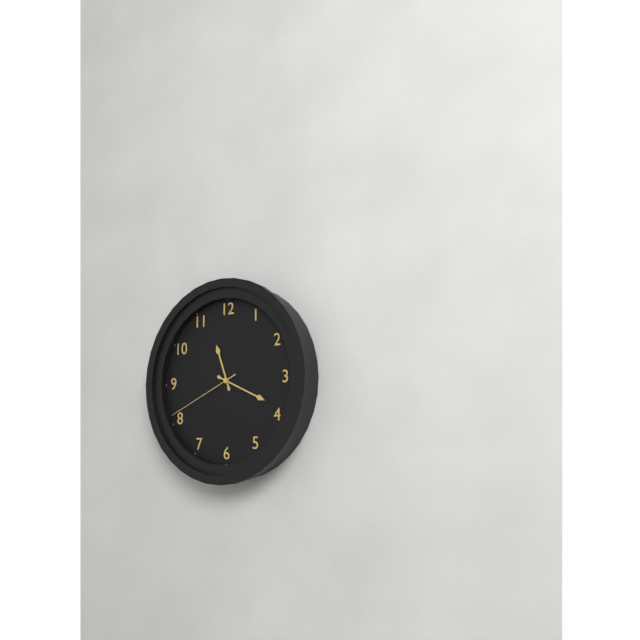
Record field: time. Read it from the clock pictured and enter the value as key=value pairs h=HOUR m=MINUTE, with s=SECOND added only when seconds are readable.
h=11 m=19 s=41
